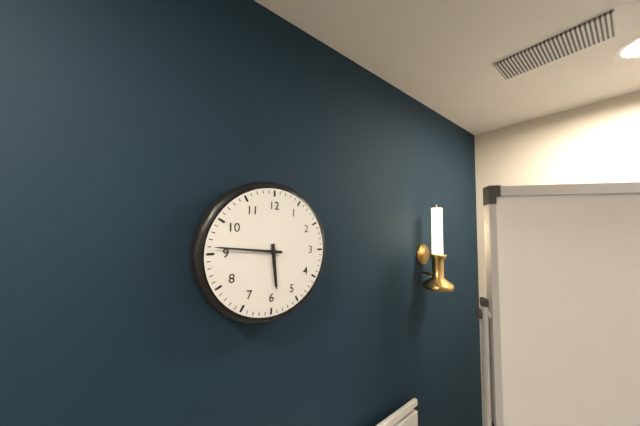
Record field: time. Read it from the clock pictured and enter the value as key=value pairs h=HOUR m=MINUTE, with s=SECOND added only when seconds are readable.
h=5 m=46
